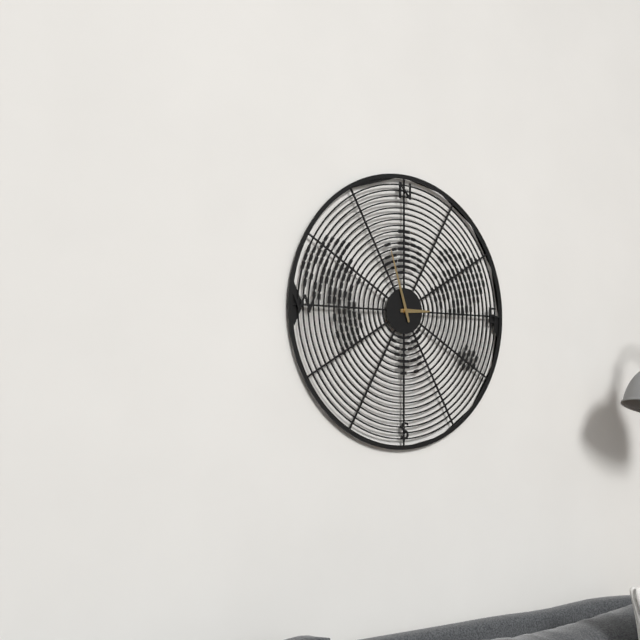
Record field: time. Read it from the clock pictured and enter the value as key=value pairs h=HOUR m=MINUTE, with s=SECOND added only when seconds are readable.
h=2 m=57
